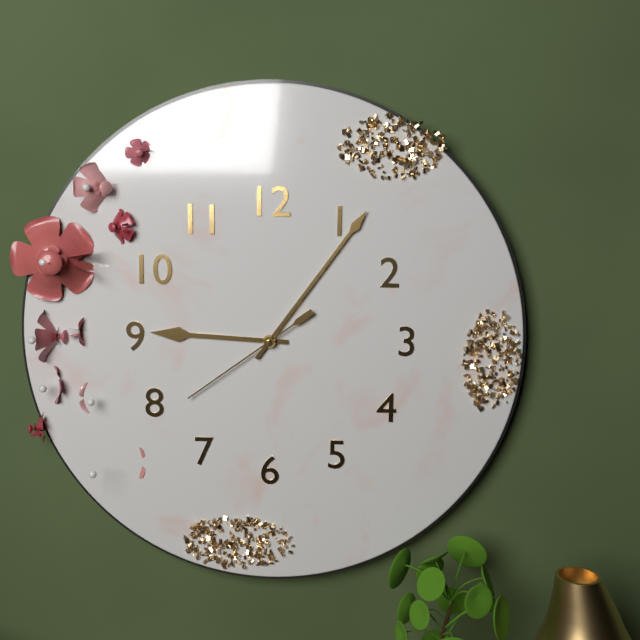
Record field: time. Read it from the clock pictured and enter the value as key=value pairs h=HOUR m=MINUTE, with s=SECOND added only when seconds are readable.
h=9 m=6 s=39
